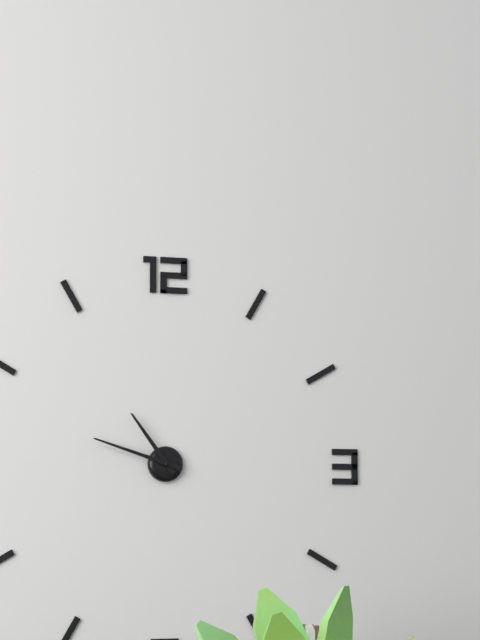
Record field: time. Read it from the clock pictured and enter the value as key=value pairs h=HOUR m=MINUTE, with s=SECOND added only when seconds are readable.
h=10 m=48
